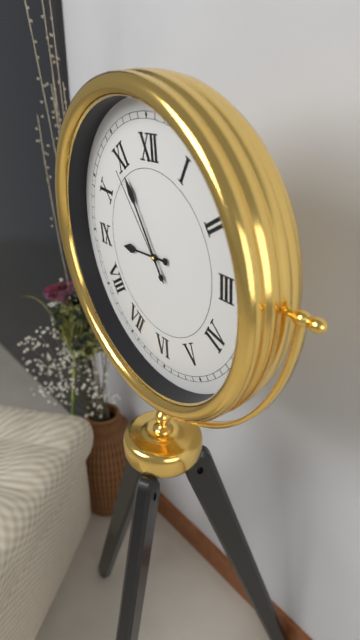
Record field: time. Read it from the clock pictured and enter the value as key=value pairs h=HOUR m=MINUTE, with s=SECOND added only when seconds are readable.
h=8 m=55 s=54
